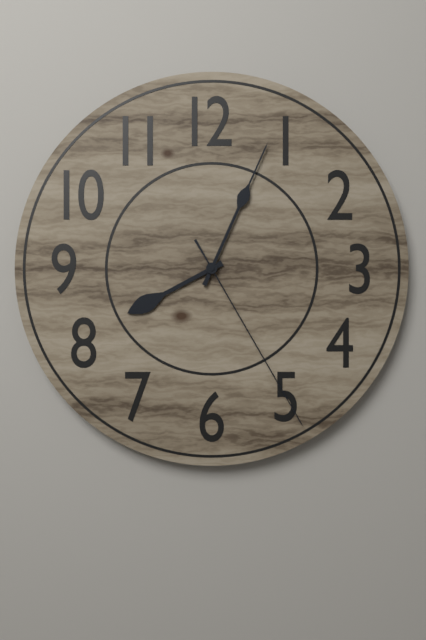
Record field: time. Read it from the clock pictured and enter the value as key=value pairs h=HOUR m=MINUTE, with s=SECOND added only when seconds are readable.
h=8 m=4 s=25
